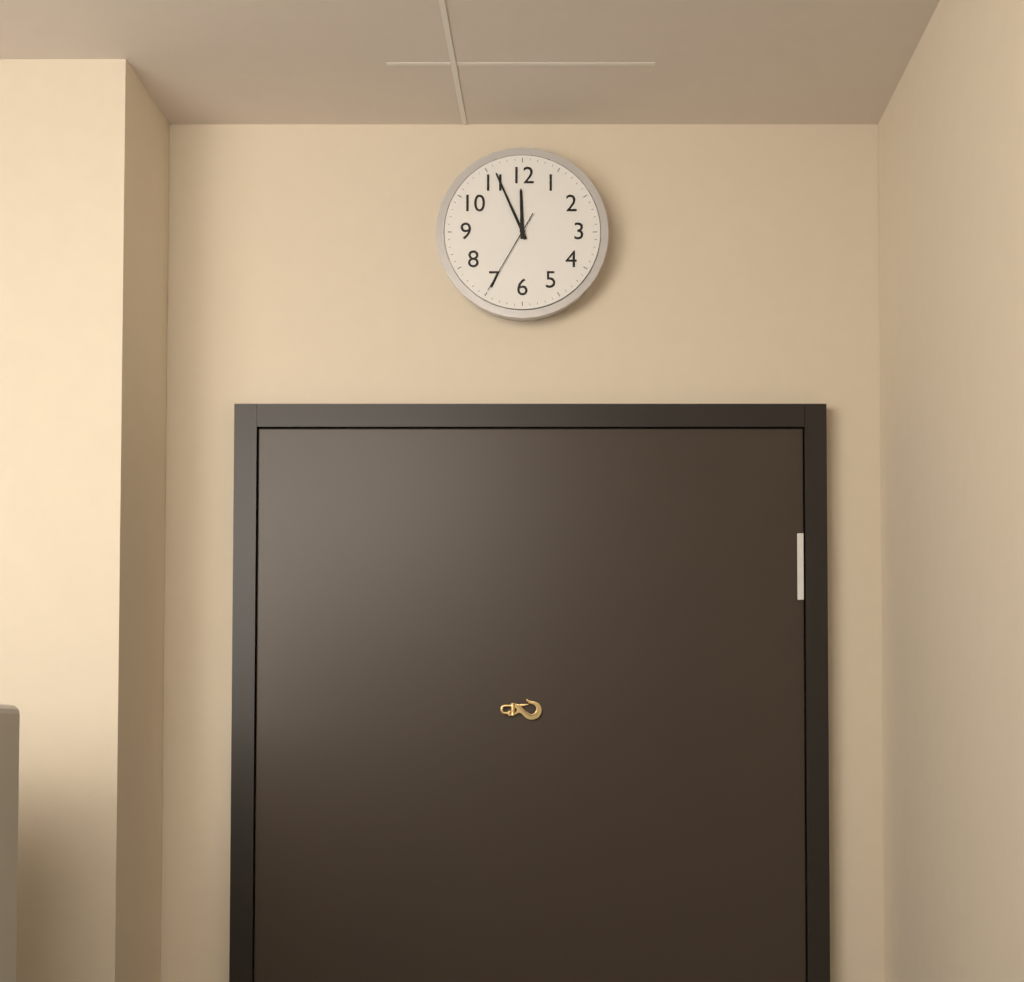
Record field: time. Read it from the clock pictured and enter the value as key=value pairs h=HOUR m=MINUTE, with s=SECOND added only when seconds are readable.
h=11 m=56 s=35
